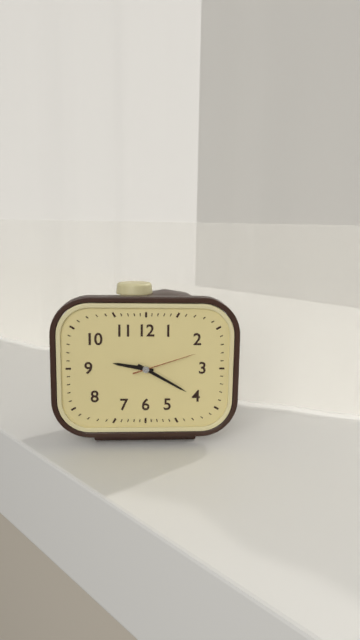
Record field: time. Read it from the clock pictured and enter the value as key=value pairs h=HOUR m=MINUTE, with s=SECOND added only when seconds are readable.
h=9 m=20 s=12
